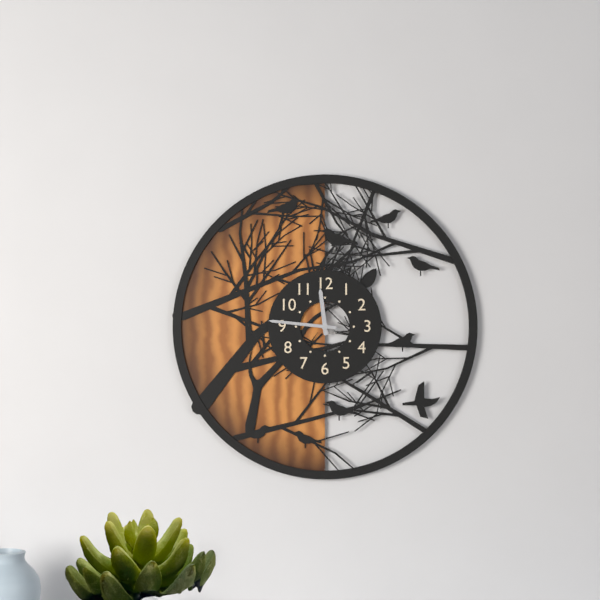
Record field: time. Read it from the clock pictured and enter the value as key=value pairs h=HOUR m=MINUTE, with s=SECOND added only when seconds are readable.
h=11 m=46
